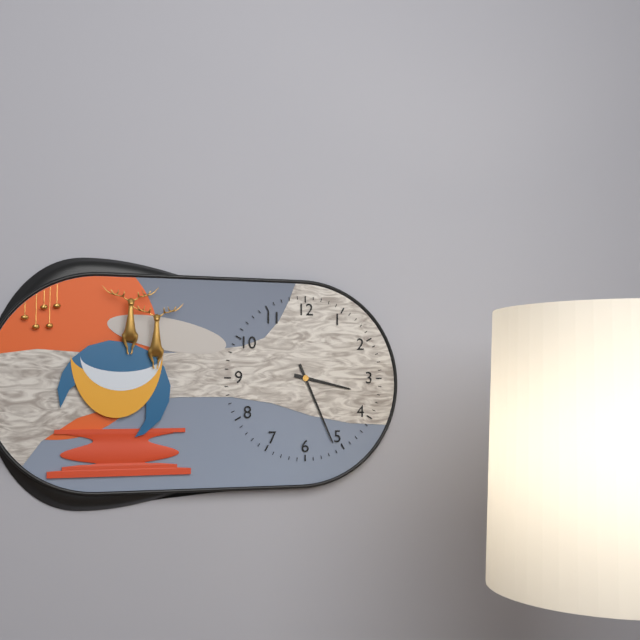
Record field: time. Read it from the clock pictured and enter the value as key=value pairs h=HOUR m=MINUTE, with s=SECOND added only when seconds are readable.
h=3 m=26
